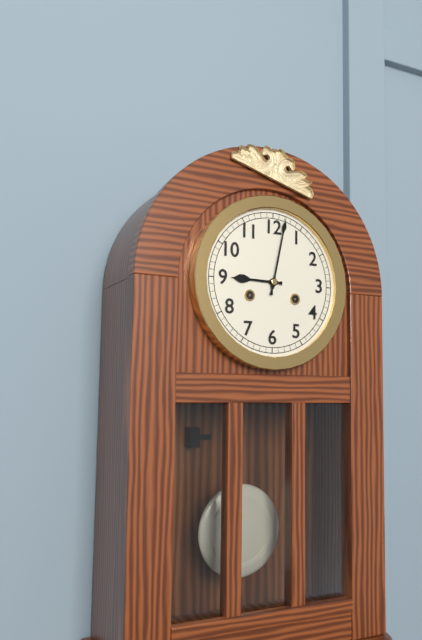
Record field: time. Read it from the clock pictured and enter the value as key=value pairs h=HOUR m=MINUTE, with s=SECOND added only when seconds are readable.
h=9 m=2
